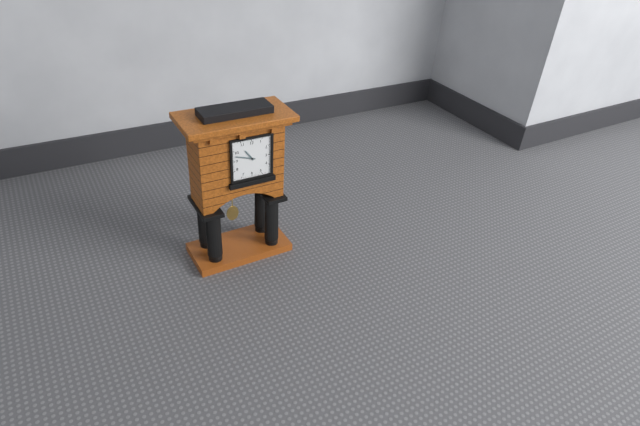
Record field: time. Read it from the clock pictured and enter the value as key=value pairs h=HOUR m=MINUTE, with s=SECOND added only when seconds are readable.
h=10 m=48
